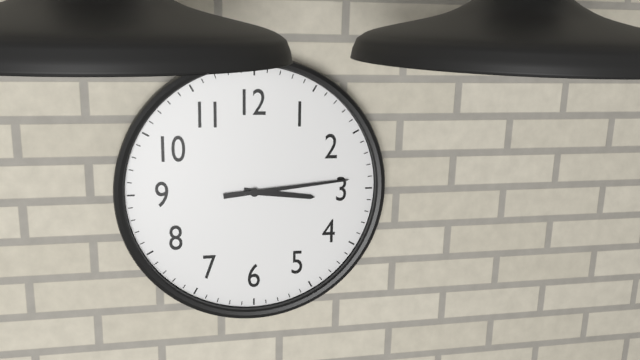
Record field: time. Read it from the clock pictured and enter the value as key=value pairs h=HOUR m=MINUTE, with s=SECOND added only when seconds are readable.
h=3 m=14
